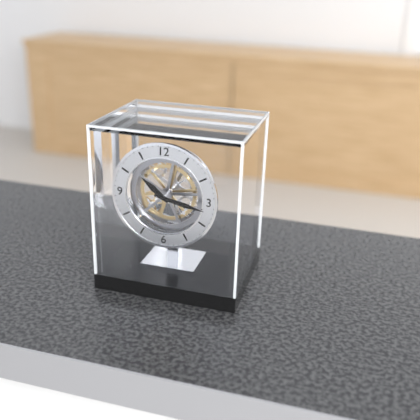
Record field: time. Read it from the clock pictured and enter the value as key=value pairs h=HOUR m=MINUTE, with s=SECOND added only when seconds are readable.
h=10 m=17
